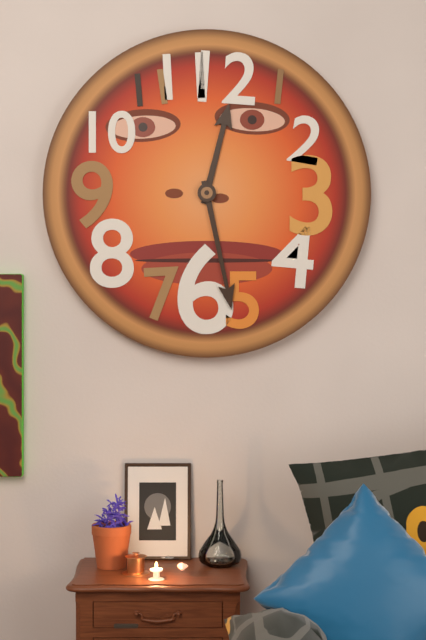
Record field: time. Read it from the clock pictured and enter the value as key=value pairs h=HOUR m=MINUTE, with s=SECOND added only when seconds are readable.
h=12 m=28
